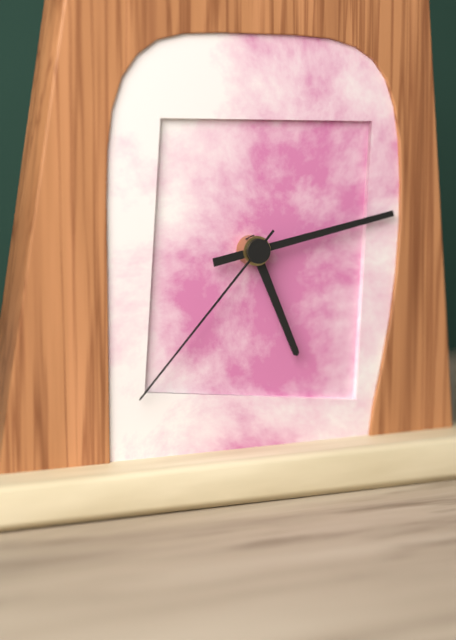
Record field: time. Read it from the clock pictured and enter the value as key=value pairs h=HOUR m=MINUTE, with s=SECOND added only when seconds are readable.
h=5 m=13 s=37
